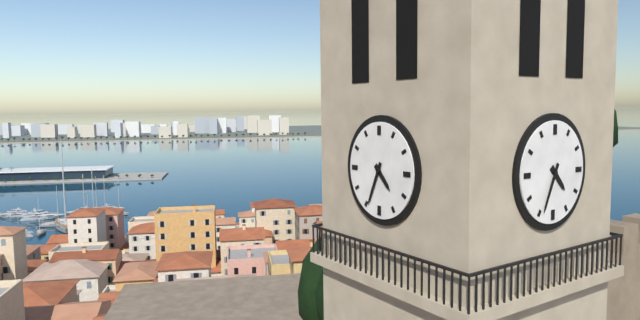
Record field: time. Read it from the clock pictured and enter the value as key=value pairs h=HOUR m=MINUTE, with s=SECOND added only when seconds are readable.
h=4 m=34
